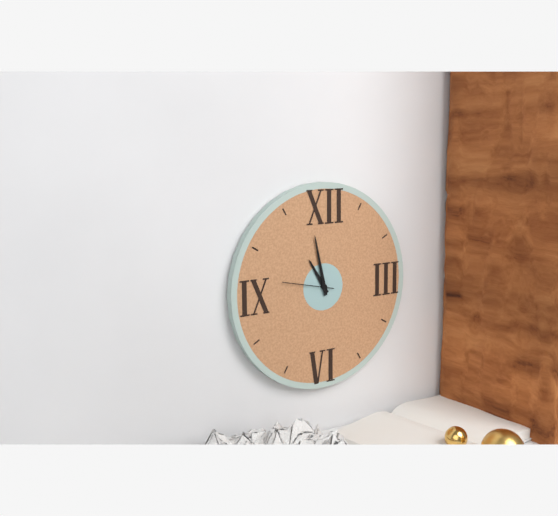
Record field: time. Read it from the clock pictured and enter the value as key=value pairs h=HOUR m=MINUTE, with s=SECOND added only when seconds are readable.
h=10 m=58 s=47
